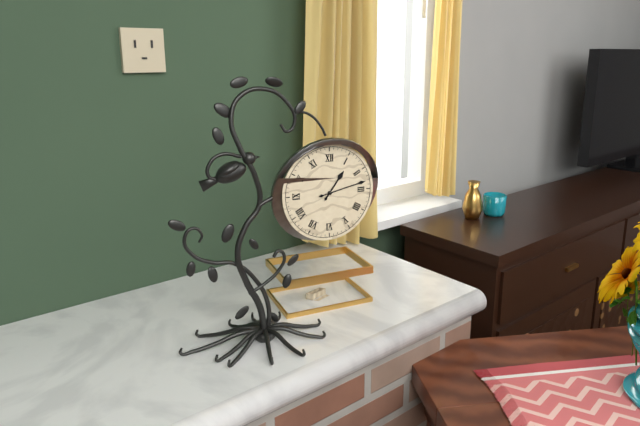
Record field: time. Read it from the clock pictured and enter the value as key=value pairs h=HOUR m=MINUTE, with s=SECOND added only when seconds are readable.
h=1 m=13
